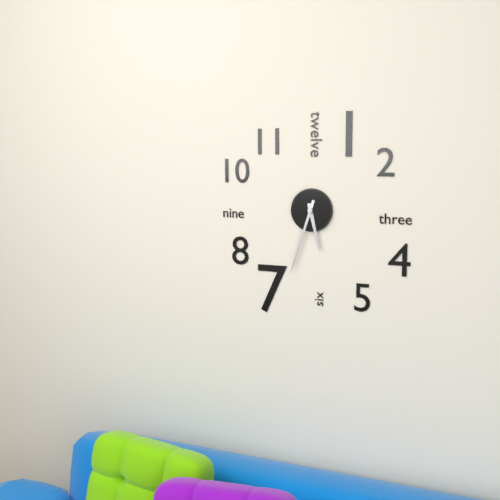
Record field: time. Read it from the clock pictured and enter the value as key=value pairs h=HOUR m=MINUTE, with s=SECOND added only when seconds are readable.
h=5 m=33
